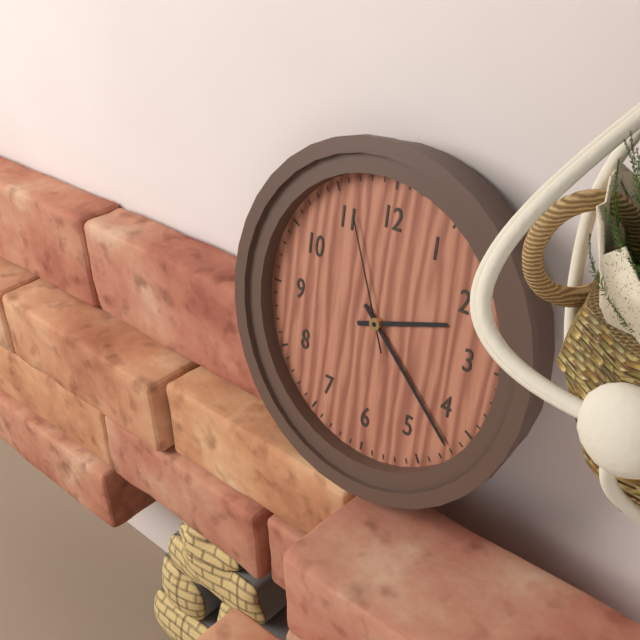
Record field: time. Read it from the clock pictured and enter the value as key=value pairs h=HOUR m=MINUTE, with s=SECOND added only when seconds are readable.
h=2 m=22 s=56
